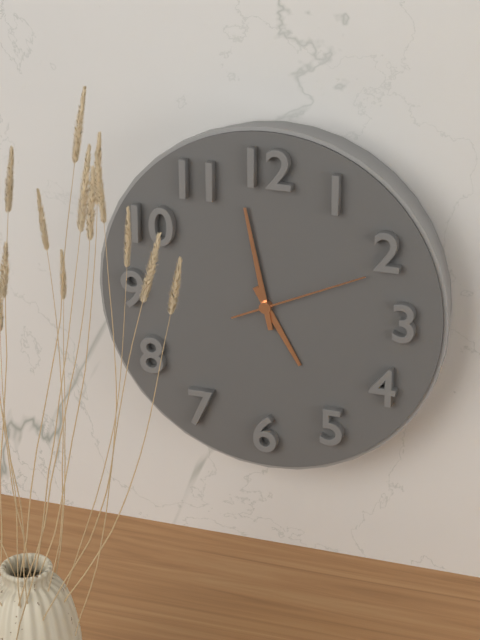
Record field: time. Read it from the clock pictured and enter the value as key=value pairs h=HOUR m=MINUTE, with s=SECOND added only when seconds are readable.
h=4 m=58 s=11
